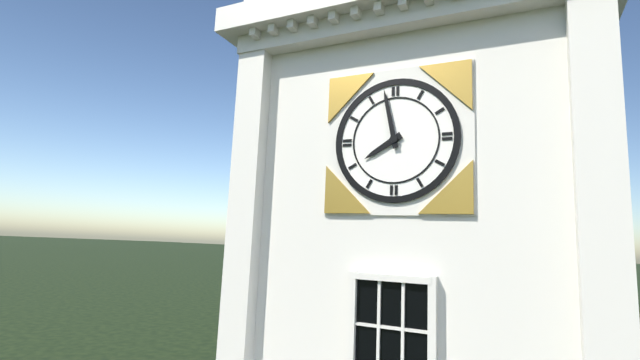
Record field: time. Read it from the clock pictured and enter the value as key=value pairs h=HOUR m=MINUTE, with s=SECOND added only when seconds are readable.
h=7 m=58
